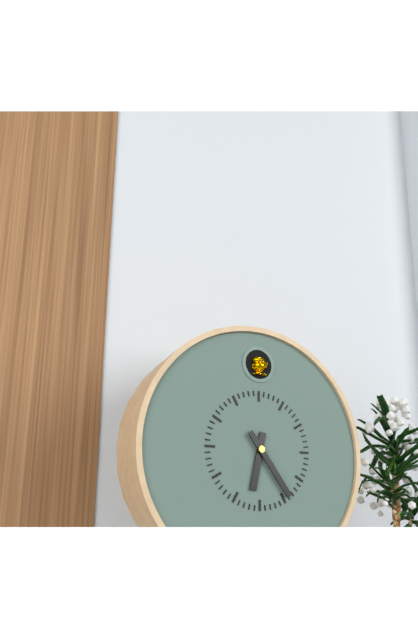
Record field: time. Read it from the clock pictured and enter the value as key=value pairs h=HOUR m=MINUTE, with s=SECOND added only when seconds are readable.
h=6 m=24
